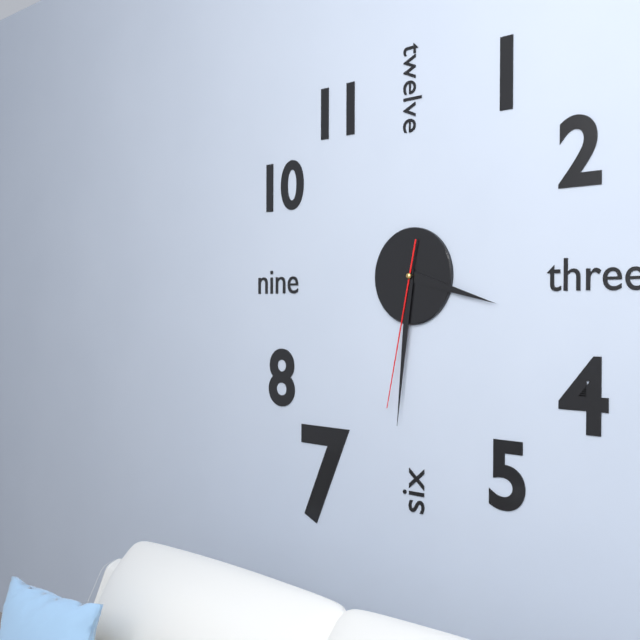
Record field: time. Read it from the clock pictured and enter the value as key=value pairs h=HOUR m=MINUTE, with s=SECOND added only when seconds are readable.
h=3 m=31 s=32
